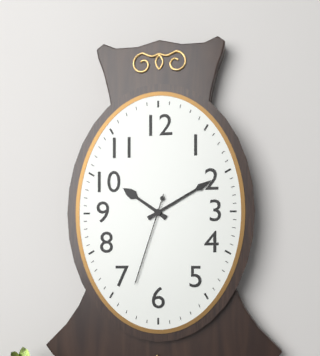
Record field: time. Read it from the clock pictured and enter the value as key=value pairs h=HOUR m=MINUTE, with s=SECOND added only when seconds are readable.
h=10 m=10 s=33
